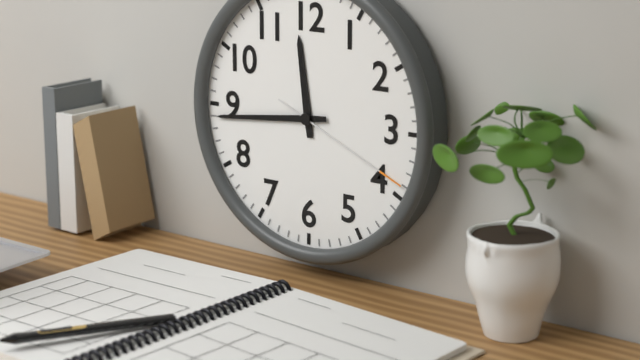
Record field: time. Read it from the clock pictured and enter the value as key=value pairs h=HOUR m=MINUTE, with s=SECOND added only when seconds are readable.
h=11 m=44 s=19
